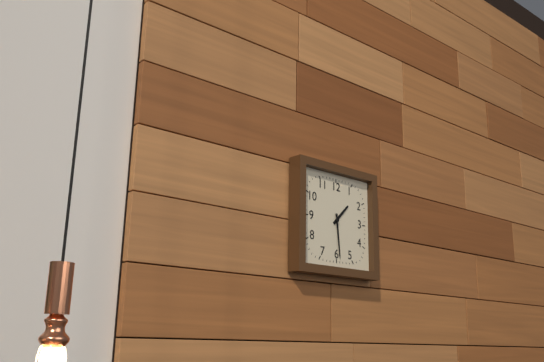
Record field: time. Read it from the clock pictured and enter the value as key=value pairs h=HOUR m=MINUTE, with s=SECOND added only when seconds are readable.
h=1 m=29
